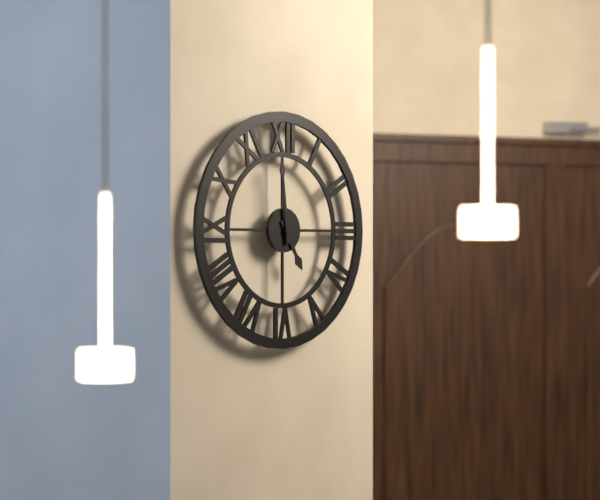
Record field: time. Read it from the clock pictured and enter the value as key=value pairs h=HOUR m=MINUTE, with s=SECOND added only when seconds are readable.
h=4 m=59
